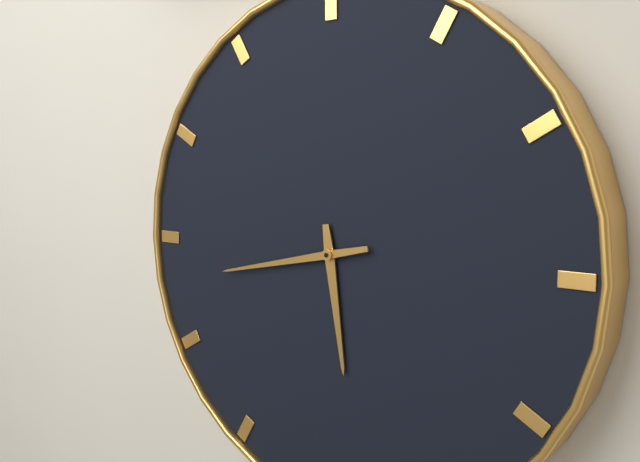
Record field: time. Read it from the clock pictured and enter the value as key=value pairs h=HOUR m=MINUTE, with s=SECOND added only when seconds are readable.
h=5 m=43
